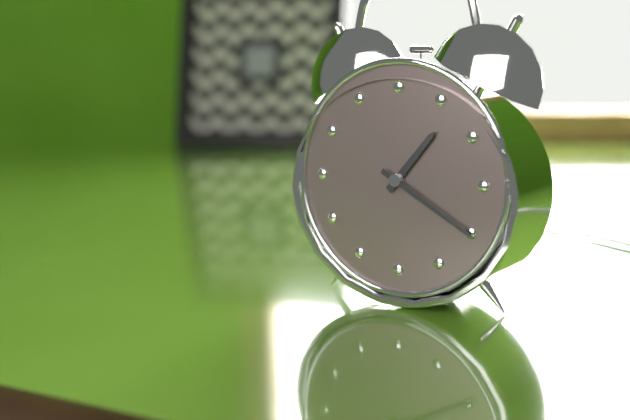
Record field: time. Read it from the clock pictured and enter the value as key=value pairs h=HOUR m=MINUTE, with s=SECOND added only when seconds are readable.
h=1 m=20
